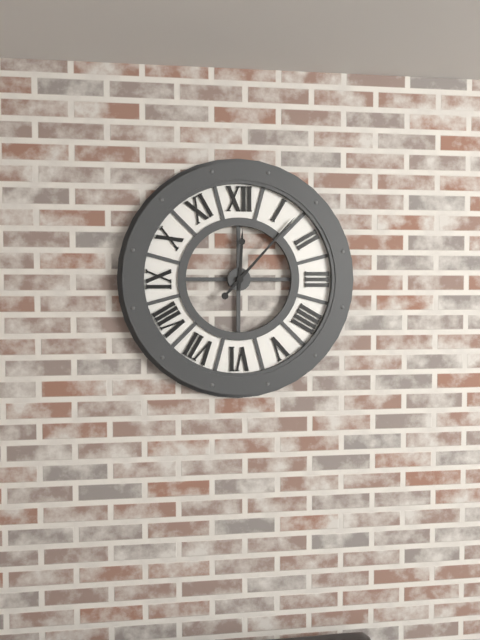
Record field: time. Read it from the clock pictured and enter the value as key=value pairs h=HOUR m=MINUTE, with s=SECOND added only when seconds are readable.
h=12 m=7
